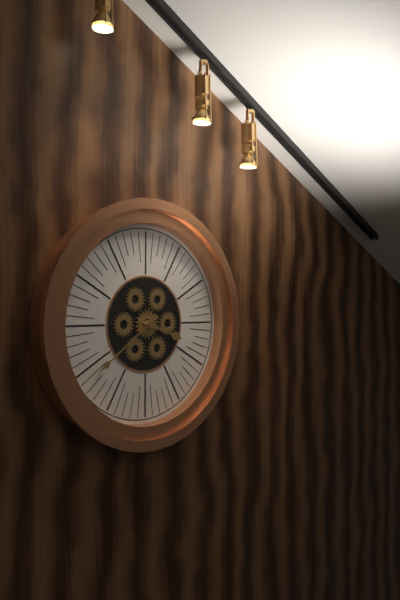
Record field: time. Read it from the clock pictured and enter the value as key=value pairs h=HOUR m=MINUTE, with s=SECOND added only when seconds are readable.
h=3 m=39
